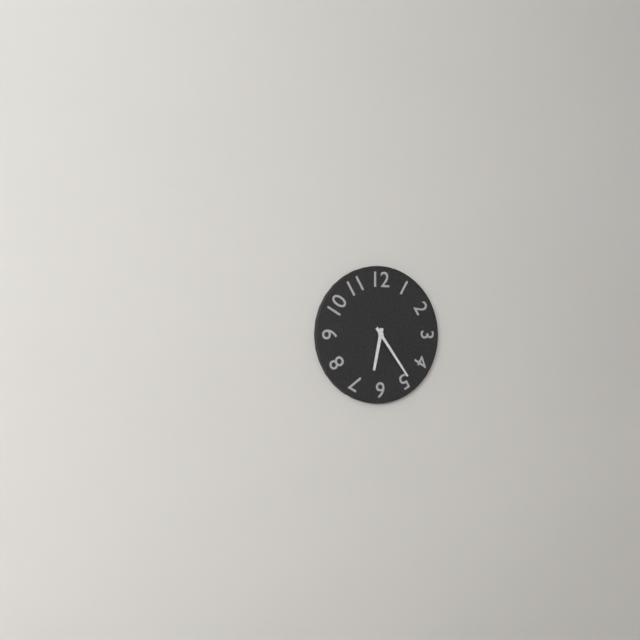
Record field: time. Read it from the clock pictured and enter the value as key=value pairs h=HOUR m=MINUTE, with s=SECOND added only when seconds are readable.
h=6 m=24
